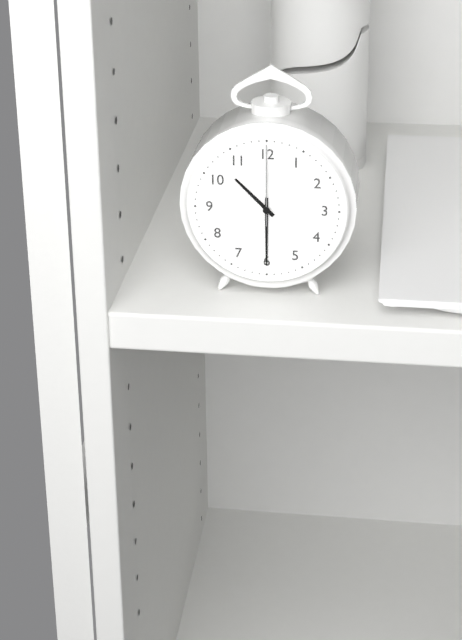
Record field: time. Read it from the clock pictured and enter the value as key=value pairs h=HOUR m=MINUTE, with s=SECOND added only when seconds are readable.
h=10 m=30 s=0
